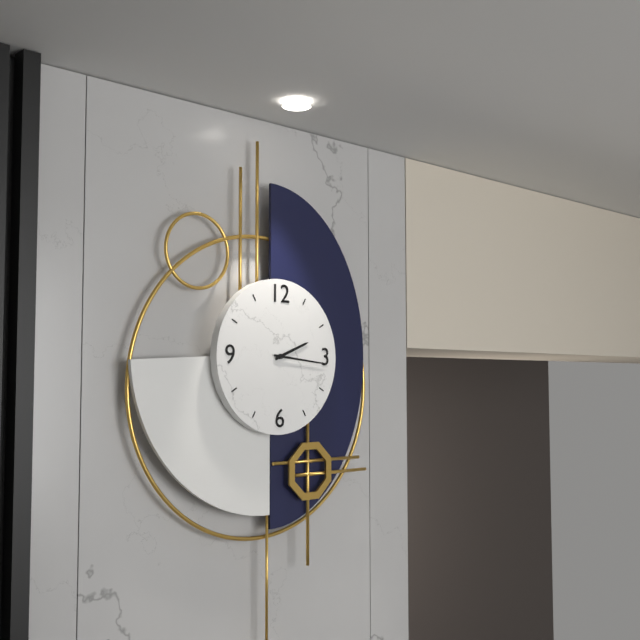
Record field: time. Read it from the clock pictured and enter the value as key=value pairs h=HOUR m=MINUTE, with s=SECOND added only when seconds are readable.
h=2 m=16
